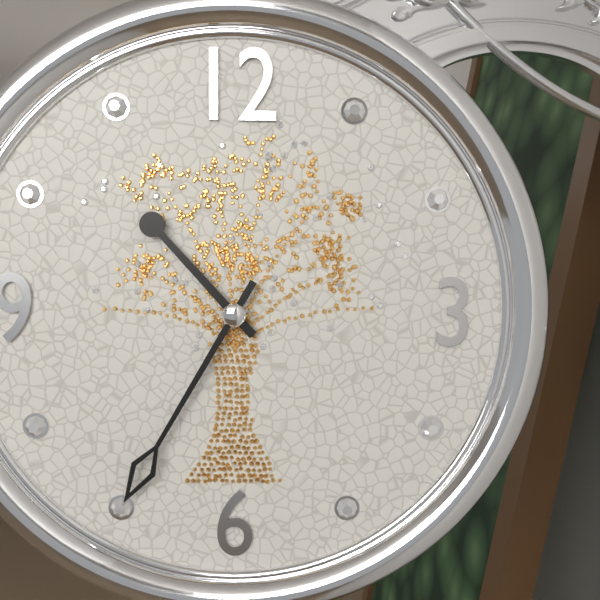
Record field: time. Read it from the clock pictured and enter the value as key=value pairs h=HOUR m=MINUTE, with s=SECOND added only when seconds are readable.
h=10 m=35
